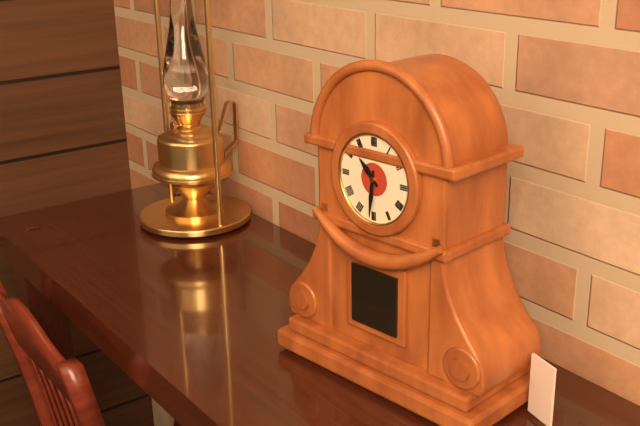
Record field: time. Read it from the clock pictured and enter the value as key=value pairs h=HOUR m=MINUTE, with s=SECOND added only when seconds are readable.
h=10 m=31
